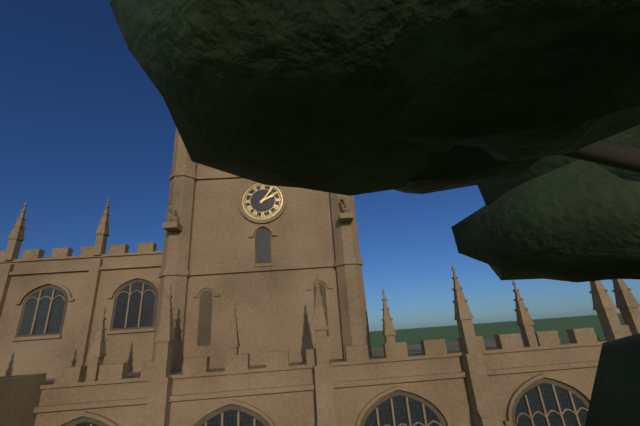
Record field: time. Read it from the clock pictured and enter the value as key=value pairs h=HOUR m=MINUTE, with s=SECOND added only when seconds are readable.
h=2 m=6
